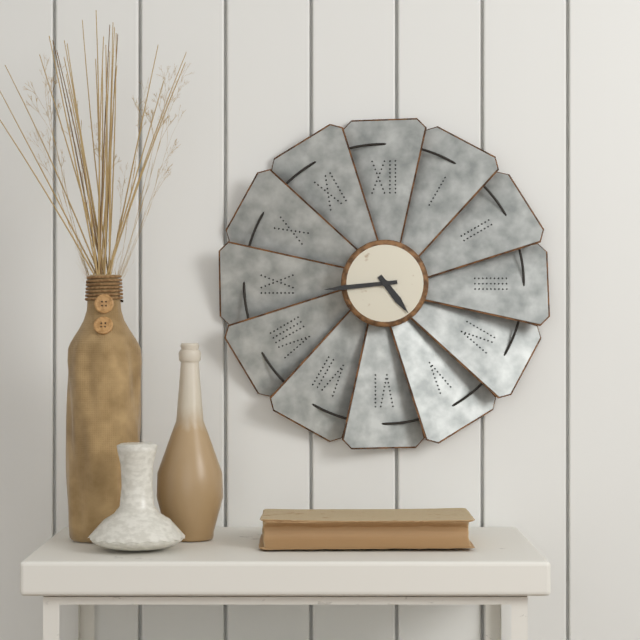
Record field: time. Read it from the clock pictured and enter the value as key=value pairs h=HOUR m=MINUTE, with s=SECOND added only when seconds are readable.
h=4 m=44
